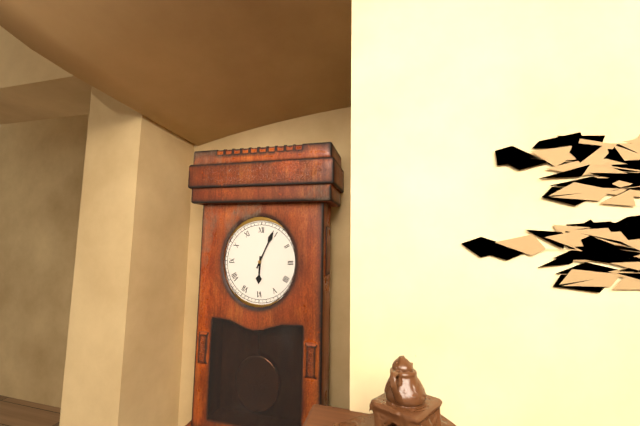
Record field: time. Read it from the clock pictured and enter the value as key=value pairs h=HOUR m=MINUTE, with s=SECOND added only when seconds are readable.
h=6 m=4
